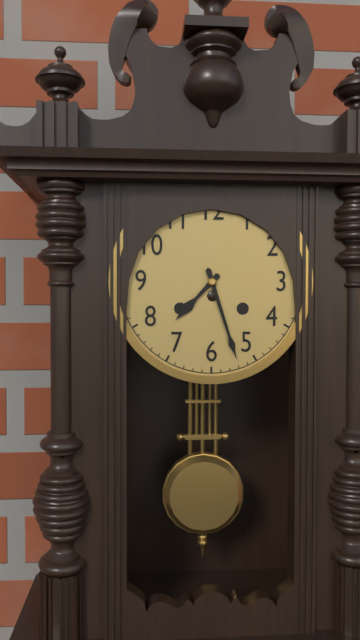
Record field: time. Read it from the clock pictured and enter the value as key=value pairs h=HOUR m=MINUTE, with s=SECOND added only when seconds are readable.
h=7 m=27
